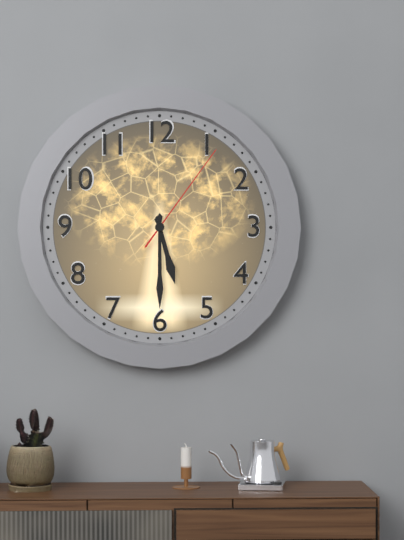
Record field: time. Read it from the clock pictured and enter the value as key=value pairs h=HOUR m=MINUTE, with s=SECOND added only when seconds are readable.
h=5 m=30 s=6
